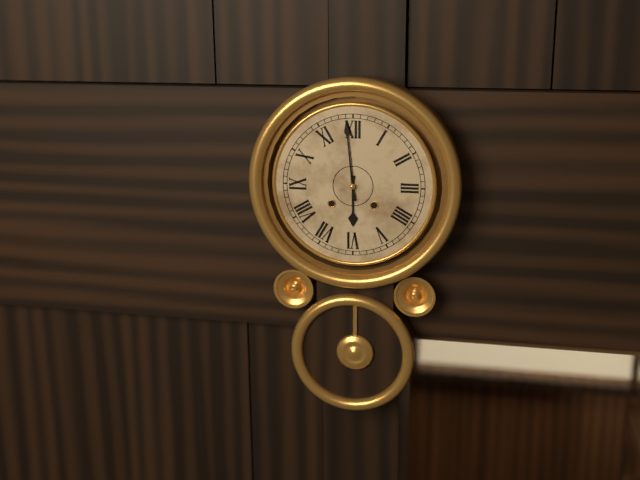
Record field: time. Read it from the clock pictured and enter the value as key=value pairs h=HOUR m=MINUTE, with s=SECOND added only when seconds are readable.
h=5 m=59
